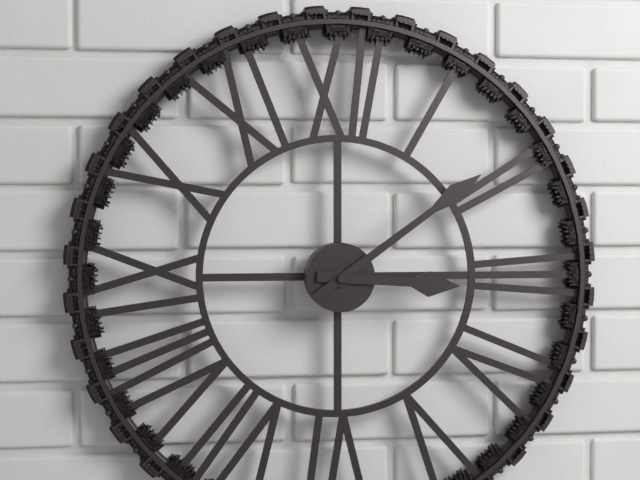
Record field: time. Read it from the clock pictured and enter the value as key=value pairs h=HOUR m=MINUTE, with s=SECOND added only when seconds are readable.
h=3 m=9
